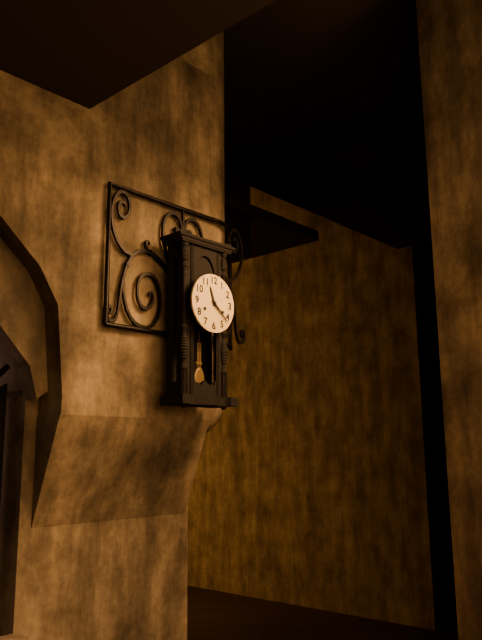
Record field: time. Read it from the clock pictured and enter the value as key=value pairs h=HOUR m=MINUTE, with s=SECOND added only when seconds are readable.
h=11 m=22
